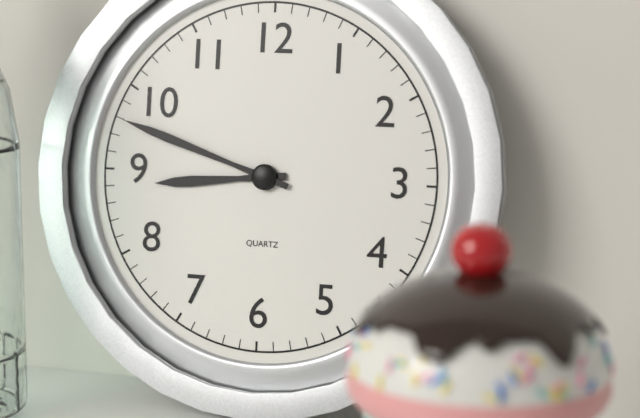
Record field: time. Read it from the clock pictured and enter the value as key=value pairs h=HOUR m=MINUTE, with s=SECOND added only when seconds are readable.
h=8 m=48
